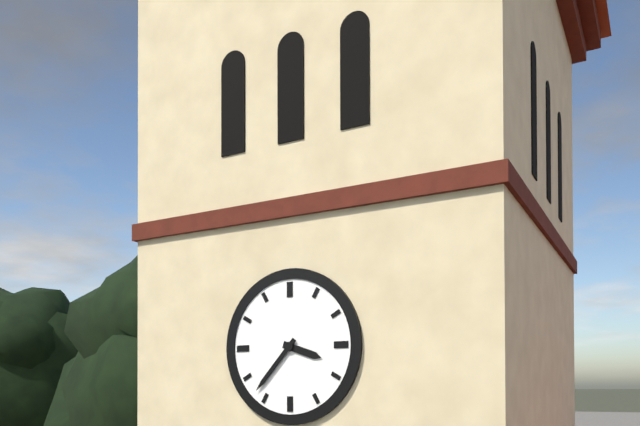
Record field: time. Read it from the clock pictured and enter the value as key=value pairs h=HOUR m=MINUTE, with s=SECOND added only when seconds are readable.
h=3 m=37
